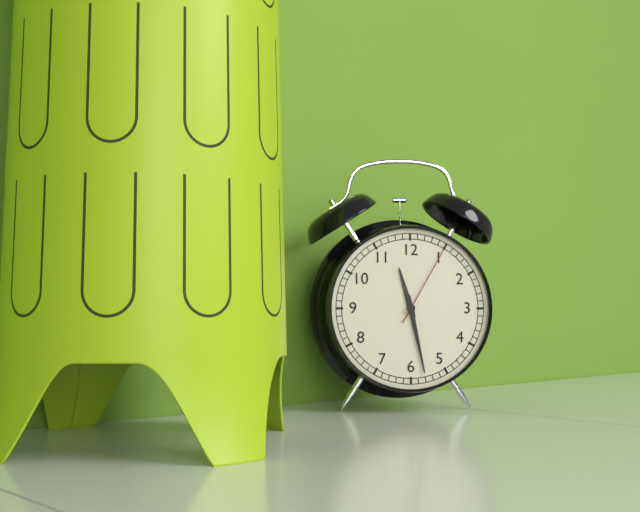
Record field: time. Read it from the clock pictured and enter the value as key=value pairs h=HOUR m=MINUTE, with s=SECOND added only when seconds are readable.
h=11 m=28 s=5
